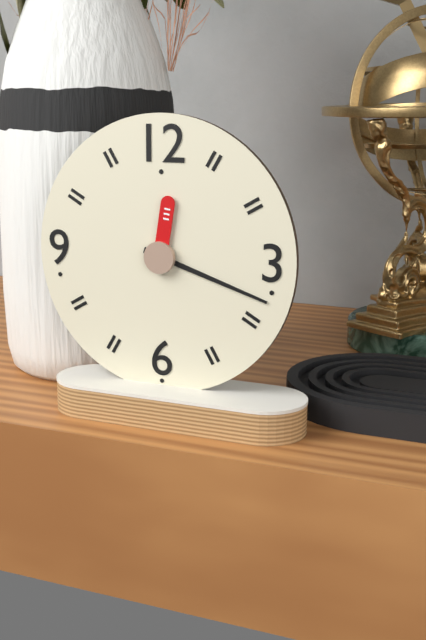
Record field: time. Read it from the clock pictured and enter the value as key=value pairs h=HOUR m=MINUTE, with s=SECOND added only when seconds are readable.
h=12 m=18
